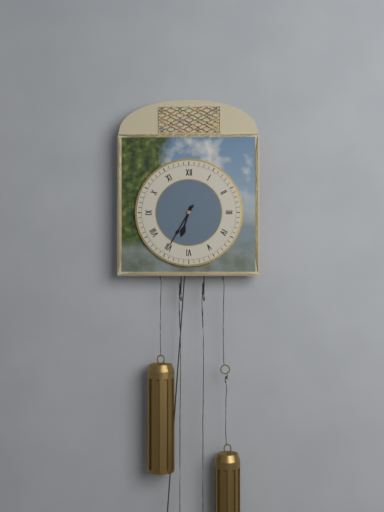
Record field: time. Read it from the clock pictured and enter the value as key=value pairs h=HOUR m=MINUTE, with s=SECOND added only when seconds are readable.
h=6 m=35
